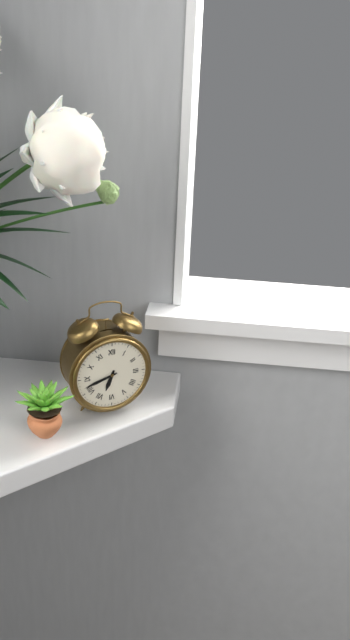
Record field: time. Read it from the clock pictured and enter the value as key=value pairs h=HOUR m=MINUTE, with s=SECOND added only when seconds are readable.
h=6 m=42
